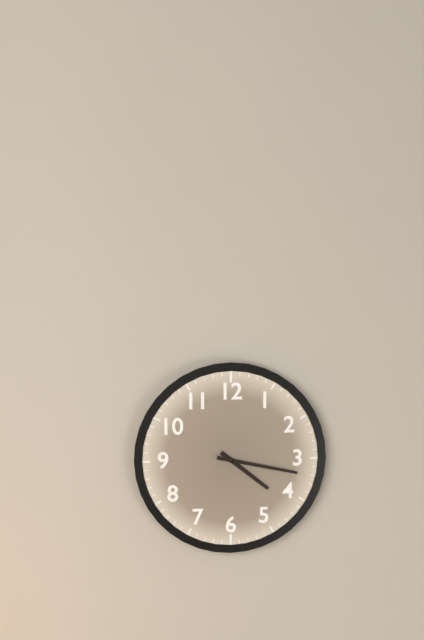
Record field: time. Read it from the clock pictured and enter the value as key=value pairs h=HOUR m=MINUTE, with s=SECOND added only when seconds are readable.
h=4 m=17
